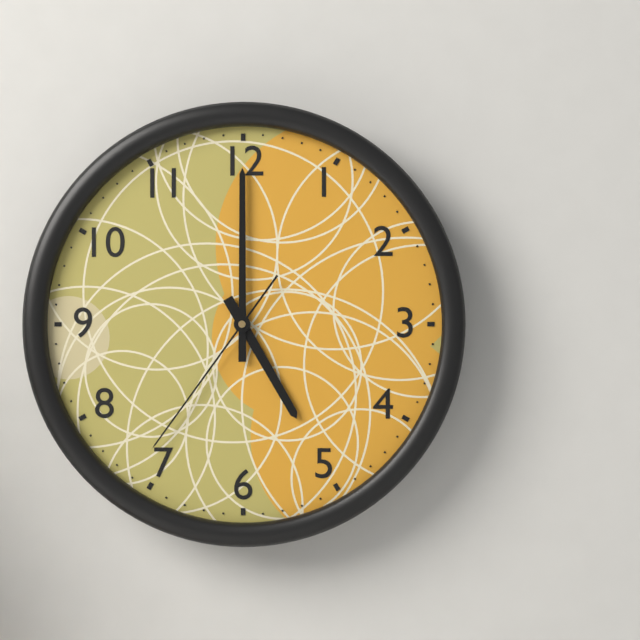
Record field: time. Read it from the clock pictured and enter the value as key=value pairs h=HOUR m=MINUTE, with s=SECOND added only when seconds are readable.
h=5 m=0 s=36
